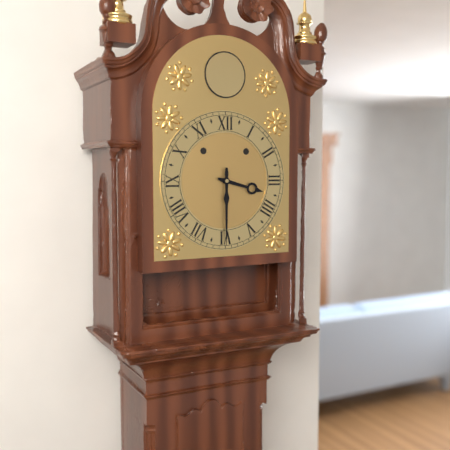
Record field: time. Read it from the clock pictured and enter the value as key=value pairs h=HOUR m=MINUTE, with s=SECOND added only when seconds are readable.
h=3 m=30
